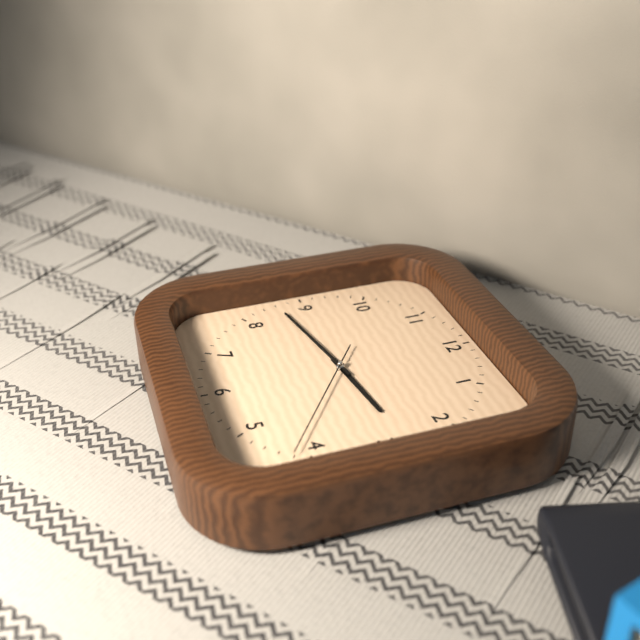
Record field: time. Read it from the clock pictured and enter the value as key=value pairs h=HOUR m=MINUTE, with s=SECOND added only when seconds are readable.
h=2 m=43 s=21
